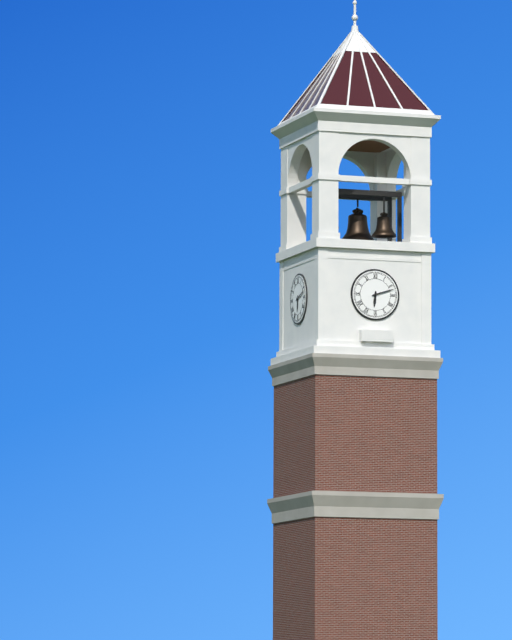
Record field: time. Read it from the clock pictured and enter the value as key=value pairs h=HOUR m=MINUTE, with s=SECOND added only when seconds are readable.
h=6 m=12
